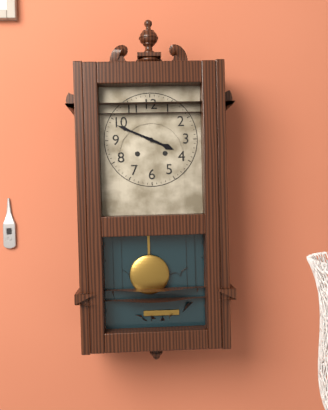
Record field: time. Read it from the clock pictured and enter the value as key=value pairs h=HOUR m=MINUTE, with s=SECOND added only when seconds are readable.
h=3 m=49
